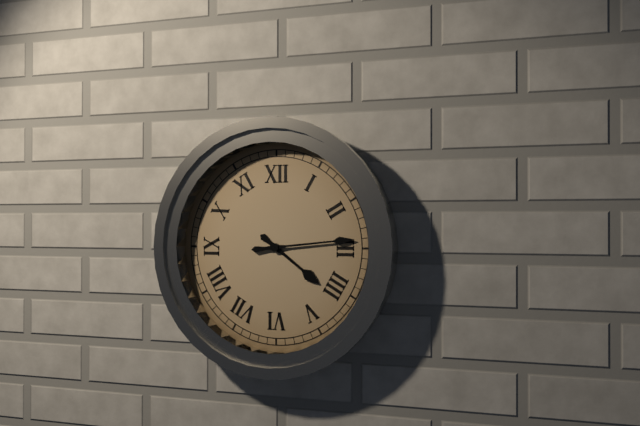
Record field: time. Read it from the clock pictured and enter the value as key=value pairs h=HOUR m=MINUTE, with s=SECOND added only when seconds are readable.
h=4 m=14
